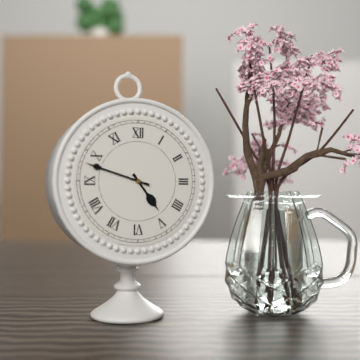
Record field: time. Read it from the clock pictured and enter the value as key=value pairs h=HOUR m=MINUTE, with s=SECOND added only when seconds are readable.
h=4 m=48
